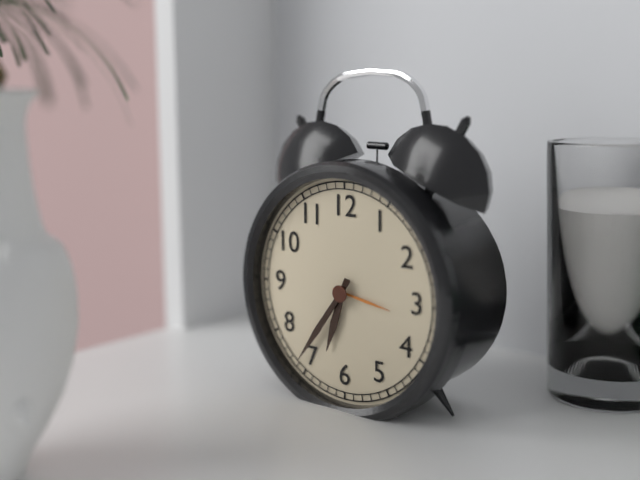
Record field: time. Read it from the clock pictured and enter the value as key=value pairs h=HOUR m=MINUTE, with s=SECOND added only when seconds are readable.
h=6 m=36
